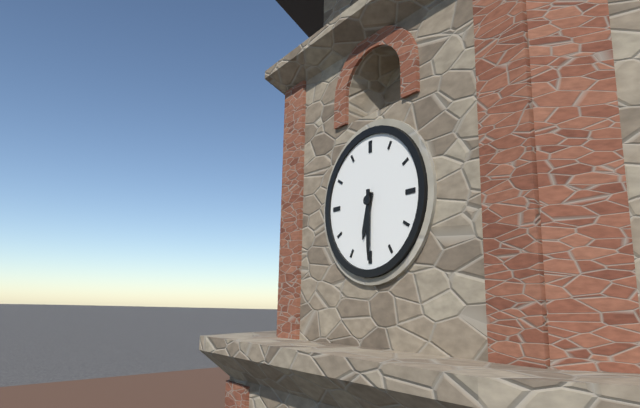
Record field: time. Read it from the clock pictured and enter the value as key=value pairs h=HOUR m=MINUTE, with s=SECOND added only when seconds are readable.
h=6 m=30
